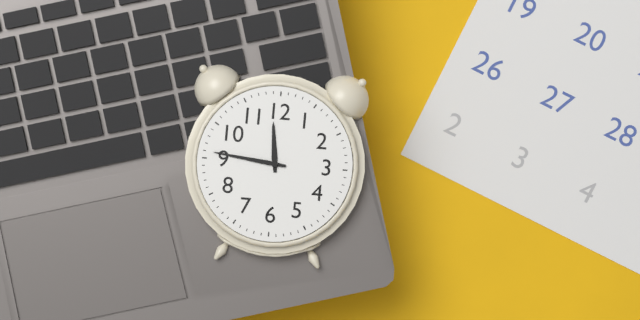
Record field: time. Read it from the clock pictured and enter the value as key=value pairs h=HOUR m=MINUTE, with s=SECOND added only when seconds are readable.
h=11 m=46
